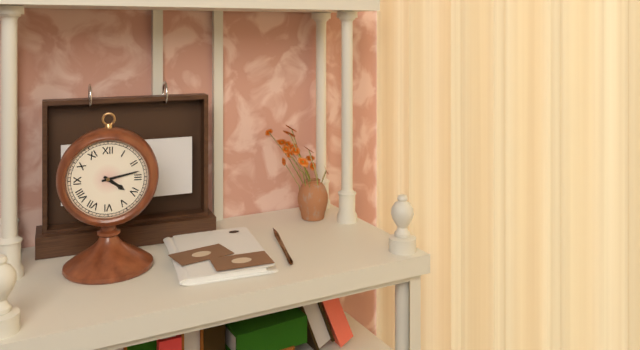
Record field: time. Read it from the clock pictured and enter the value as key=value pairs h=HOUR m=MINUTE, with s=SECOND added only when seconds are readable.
h=4 m=13
